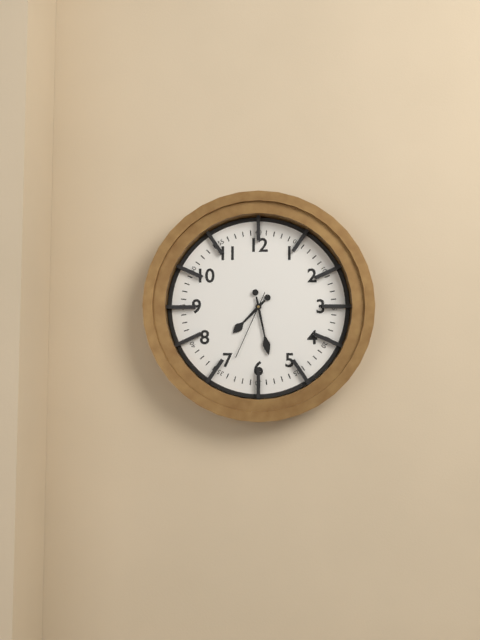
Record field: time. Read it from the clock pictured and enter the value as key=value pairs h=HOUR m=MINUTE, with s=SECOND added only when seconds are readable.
h=7 m=28 s=34
